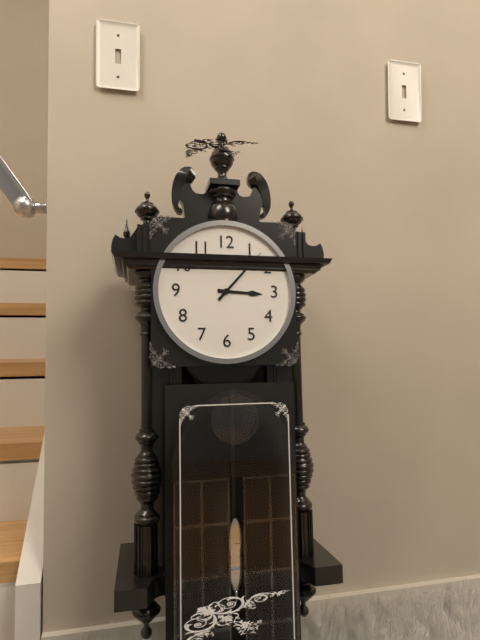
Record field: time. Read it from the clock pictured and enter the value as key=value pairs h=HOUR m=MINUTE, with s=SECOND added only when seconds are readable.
h=3 m=7
